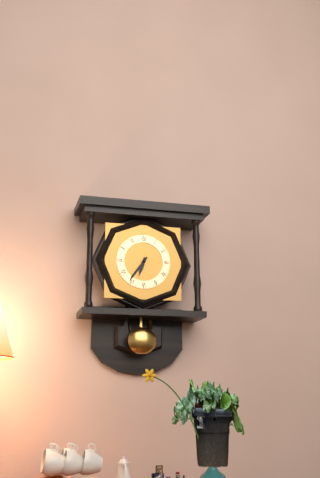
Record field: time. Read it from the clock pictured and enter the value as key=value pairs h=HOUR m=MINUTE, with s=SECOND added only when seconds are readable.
h=6 m=36
